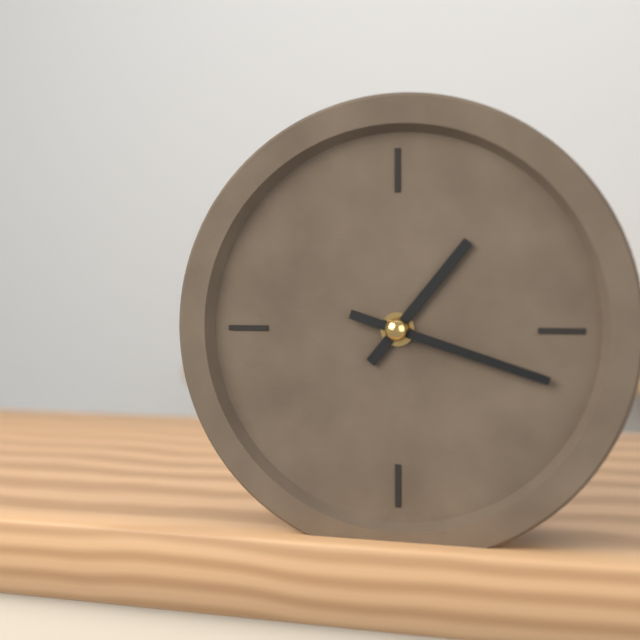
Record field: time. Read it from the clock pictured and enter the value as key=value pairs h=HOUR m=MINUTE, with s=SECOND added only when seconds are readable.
h=1 m=18
